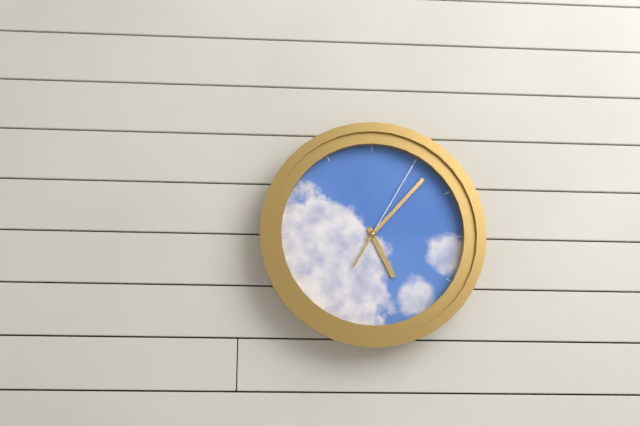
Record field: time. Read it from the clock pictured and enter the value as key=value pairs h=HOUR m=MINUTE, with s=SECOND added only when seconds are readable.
h=5 m=7 s=5
